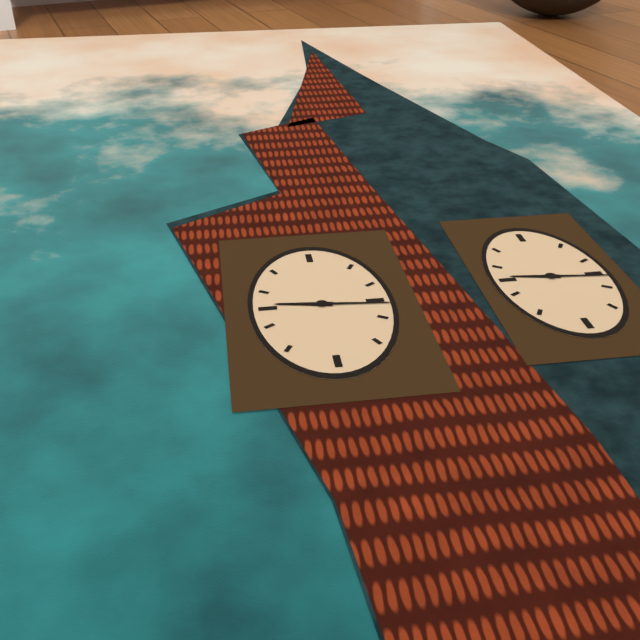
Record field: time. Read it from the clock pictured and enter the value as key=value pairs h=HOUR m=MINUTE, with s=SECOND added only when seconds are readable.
h=9 m=16
